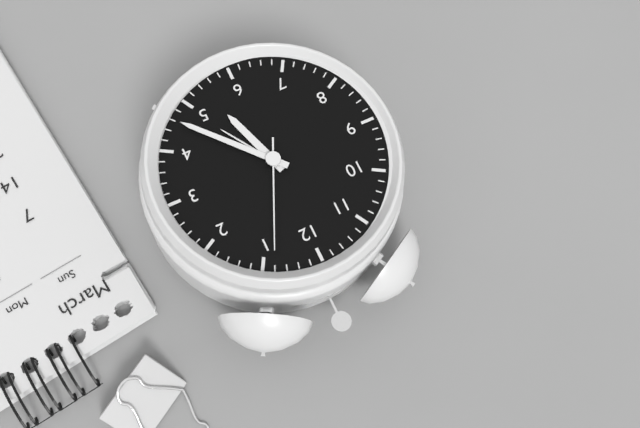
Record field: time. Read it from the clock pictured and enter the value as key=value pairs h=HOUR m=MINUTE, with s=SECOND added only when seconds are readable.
h=5 m=23 s=4
